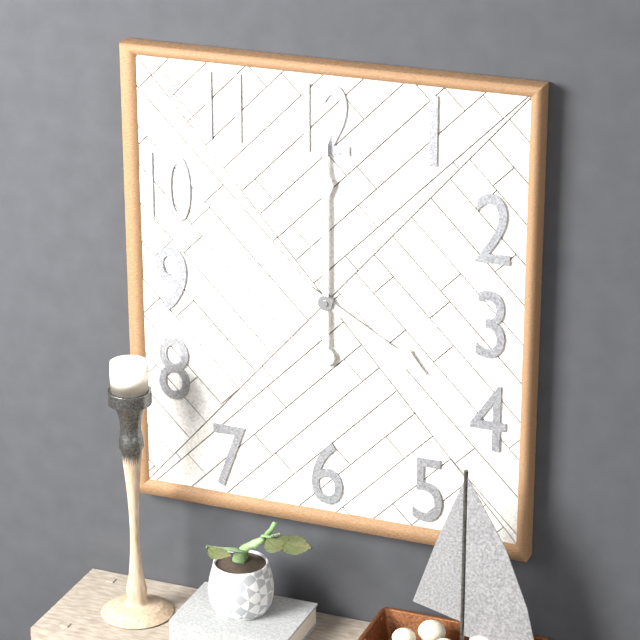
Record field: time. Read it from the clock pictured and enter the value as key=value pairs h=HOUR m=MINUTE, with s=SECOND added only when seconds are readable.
h=4 m=0
